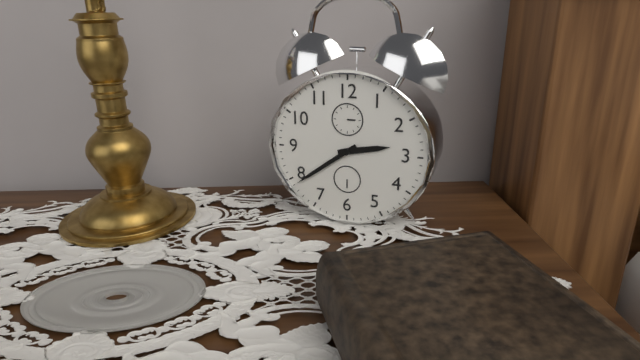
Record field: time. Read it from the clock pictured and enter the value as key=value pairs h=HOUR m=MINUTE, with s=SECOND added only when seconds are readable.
h=2 m=39
